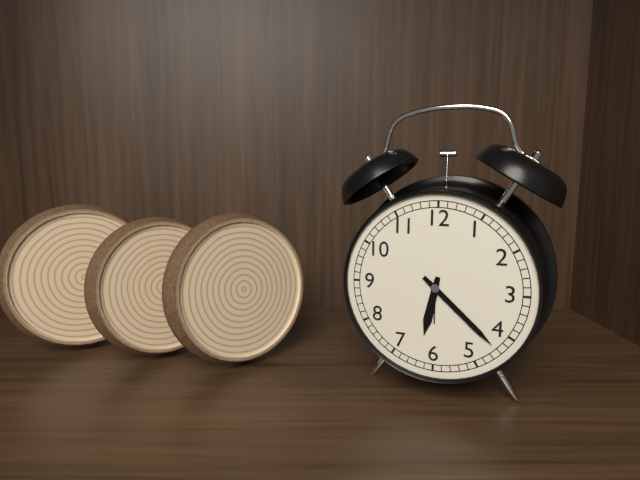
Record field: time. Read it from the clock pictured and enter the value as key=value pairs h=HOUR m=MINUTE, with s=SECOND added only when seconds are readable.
h=6 m=22
